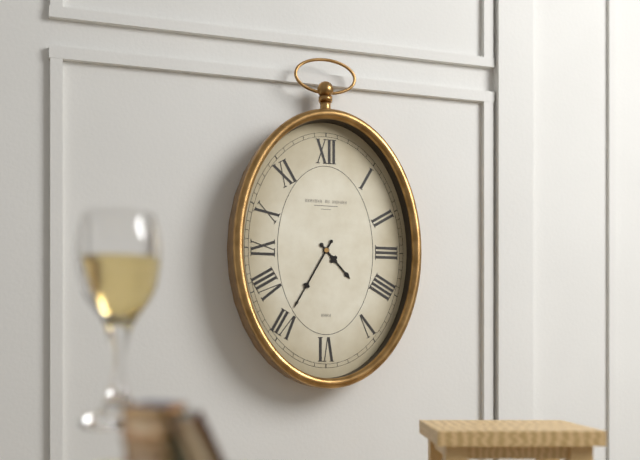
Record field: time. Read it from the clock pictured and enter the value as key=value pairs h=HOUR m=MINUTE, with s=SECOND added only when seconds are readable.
h=4 m=35
